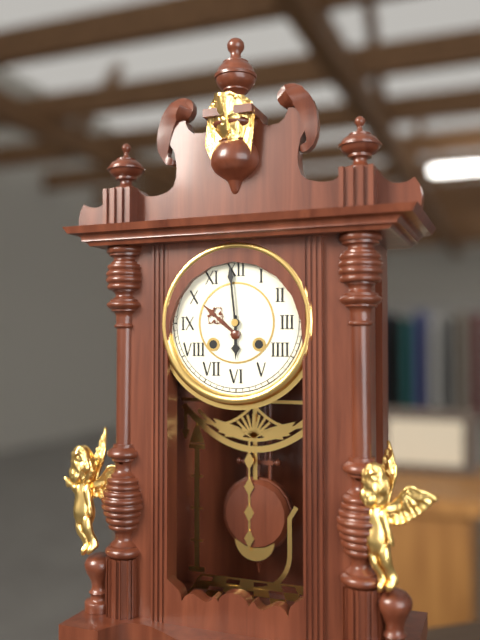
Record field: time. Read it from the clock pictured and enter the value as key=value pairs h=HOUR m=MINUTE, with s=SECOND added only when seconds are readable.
h=5 m=59
